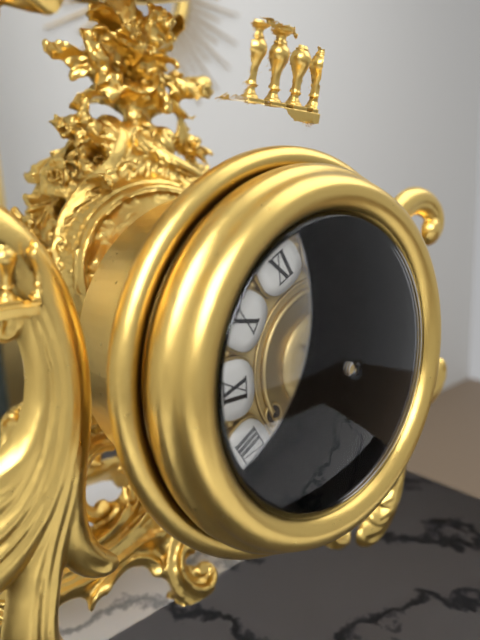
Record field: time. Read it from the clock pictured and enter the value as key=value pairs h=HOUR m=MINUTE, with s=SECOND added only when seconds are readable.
h=5 m=22
